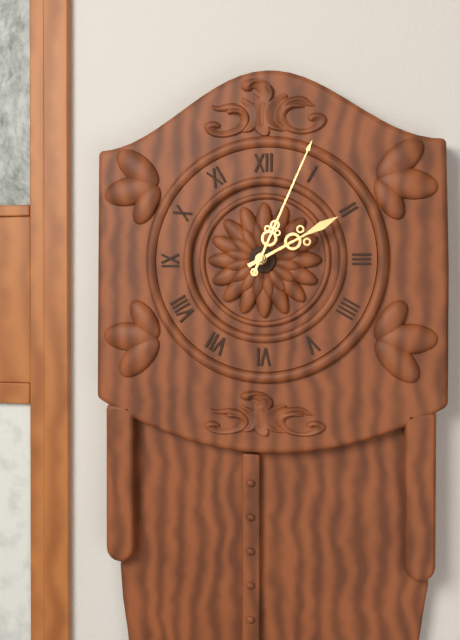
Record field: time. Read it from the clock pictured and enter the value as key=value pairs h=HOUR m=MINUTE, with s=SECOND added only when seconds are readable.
h=2 m=4
